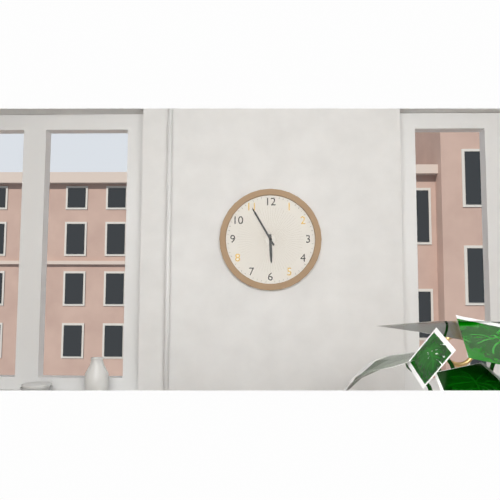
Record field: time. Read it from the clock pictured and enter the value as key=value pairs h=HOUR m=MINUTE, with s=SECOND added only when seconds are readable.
h=5 m=55
